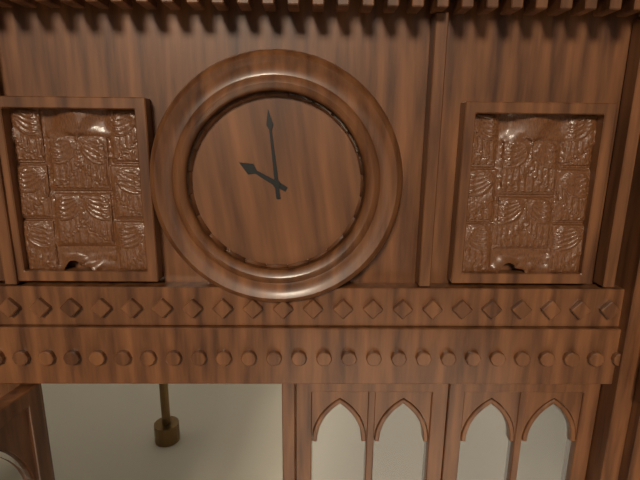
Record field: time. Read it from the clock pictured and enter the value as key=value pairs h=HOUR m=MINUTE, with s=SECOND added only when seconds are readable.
h=9 m=59
